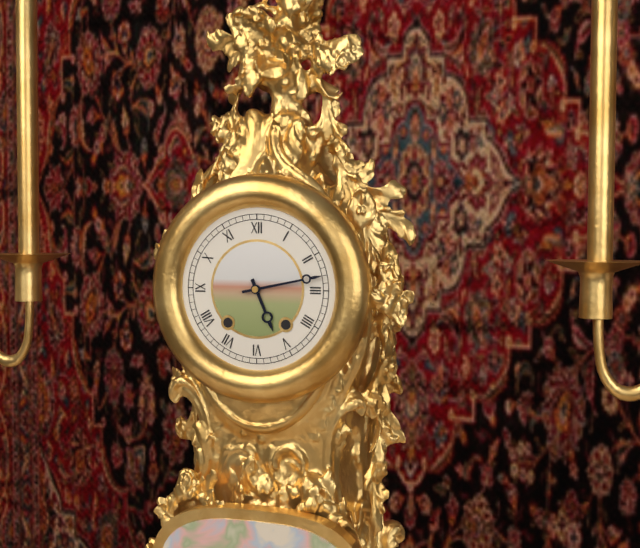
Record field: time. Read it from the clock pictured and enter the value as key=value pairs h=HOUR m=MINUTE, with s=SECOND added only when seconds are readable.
h=5 m=13
